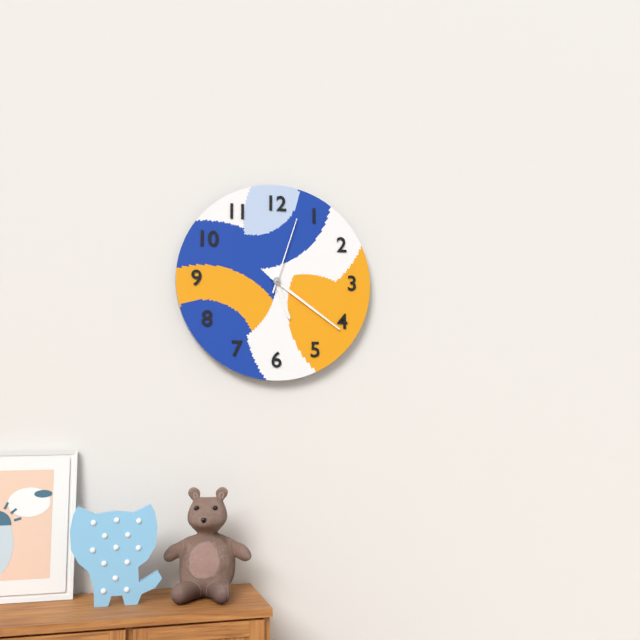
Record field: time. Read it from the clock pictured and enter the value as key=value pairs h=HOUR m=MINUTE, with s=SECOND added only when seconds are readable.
h=5 m=21 s=3
